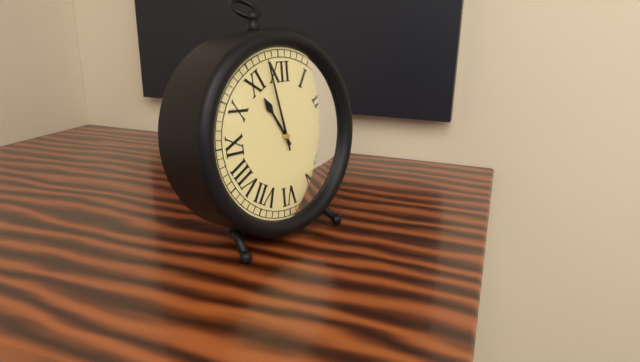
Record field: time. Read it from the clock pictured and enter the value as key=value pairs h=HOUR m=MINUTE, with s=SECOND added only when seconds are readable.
h=10 m=58
